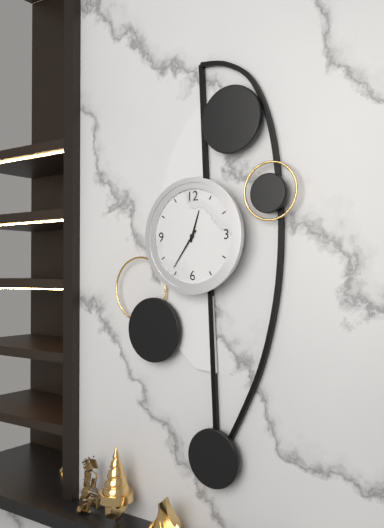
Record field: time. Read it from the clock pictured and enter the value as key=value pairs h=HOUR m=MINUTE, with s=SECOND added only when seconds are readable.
h=12 m=36
